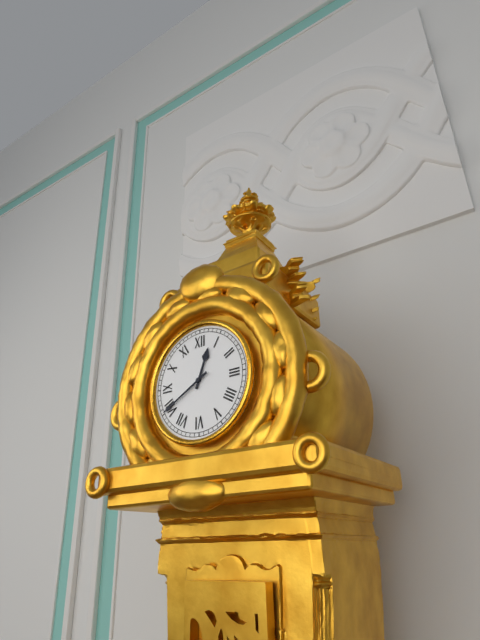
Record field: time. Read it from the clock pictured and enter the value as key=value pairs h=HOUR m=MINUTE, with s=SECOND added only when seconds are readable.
h=12 m=40
